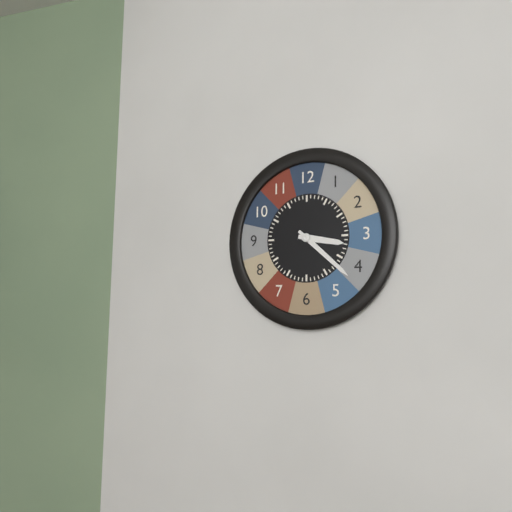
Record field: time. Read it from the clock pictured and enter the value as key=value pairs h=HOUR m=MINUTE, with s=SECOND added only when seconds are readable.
h=3 m=22
